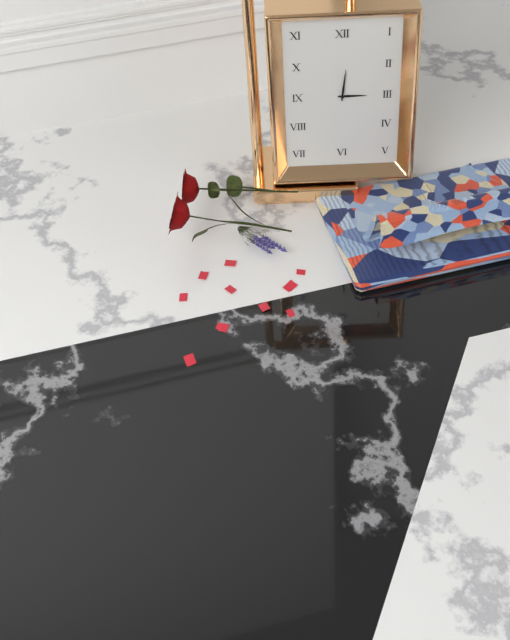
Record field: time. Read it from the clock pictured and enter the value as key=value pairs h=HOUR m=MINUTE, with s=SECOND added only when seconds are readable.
h=3 m=1
